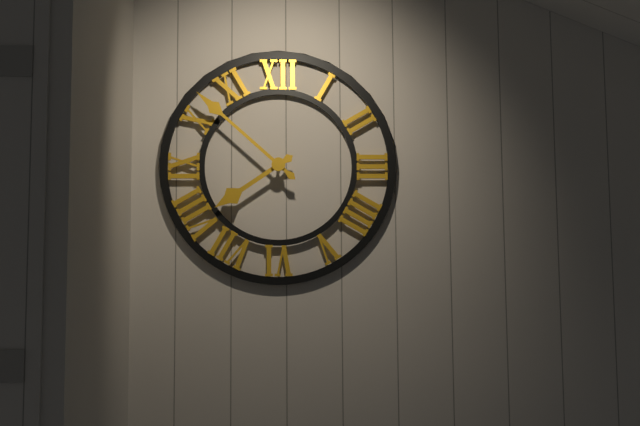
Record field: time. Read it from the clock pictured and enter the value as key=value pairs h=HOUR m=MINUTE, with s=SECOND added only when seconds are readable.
h=7 m=52
